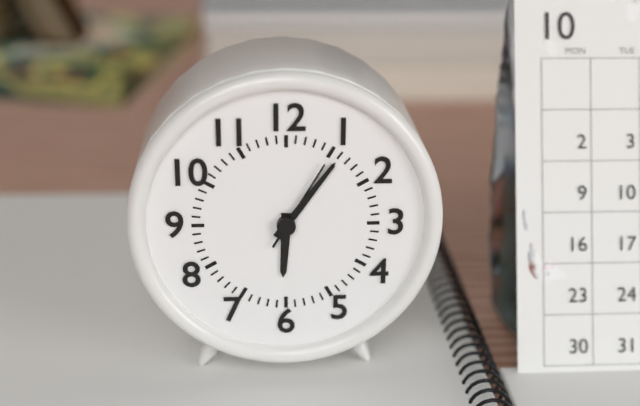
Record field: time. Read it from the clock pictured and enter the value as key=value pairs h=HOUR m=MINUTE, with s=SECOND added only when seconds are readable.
h=6 m=6 s=5
